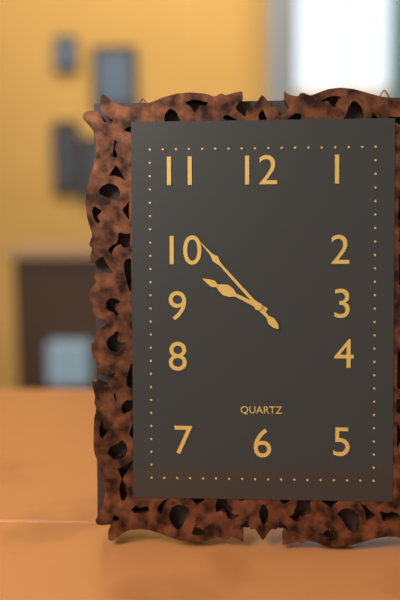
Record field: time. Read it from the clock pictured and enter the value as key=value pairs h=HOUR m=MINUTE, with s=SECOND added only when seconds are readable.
h=9 m=53
